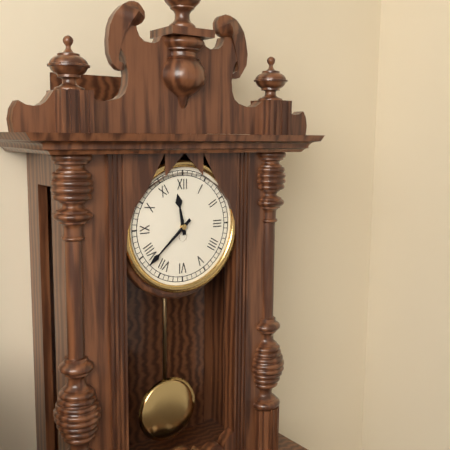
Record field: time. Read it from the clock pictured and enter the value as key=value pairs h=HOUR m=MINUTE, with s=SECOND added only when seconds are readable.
h=11 m=38
